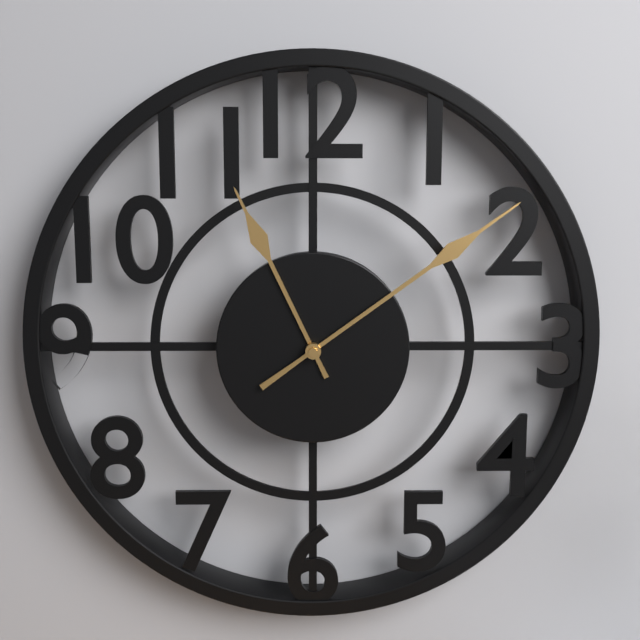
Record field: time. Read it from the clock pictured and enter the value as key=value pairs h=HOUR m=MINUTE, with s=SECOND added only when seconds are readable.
h=11 m=9
